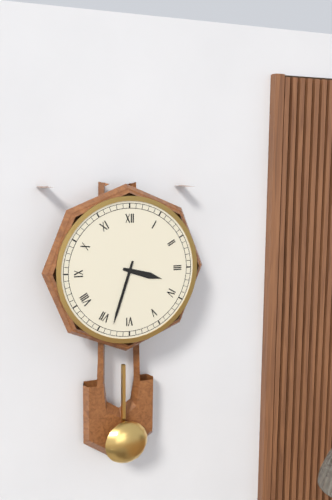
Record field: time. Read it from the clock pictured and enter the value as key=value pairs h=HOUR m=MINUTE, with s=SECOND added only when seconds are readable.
h=3 m=33
